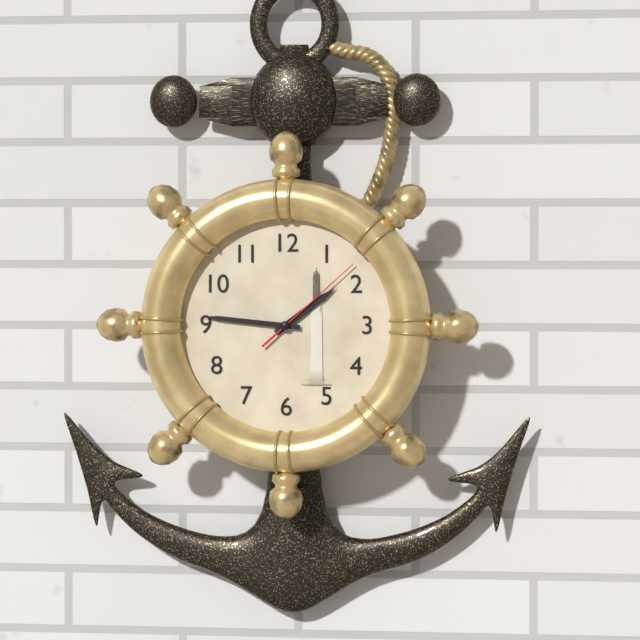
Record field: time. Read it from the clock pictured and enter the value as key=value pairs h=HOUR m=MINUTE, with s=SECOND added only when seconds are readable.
h=1 m=46 s=8
